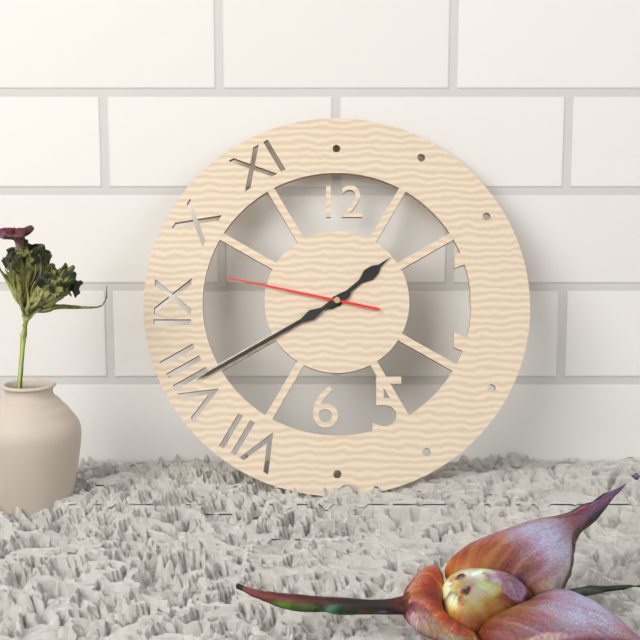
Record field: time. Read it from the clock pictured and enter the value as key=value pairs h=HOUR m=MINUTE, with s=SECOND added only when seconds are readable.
h=1 m=40 s=47
